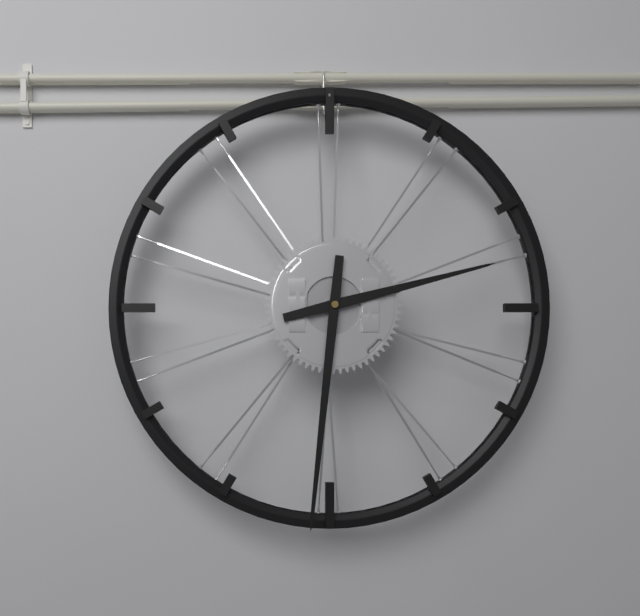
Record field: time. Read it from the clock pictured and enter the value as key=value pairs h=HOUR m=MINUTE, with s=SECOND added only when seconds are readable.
h=2 m=31
